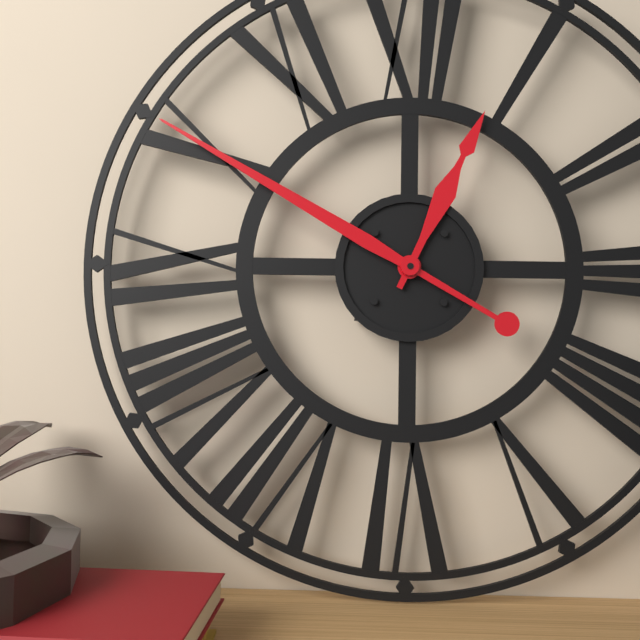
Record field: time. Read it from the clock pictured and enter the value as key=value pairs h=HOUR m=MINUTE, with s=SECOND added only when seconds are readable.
h=12 m=50
